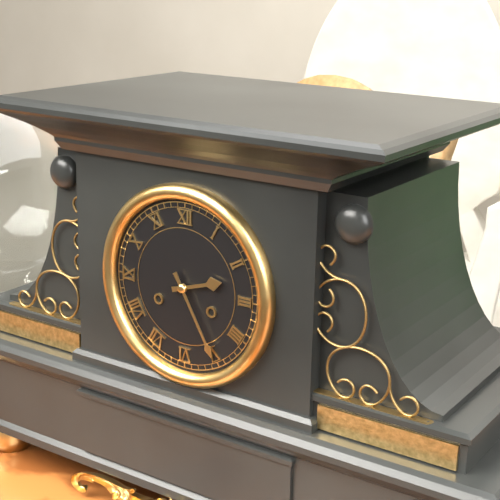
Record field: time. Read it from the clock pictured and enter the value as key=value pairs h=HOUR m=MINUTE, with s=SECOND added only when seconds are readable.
h=2 m=25
